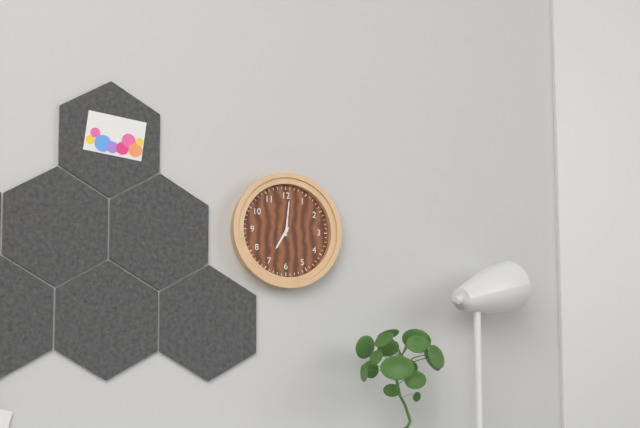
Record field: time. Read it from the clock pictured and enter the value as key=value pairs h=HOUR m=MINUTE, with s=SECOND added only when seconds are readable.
h=7 m=1
